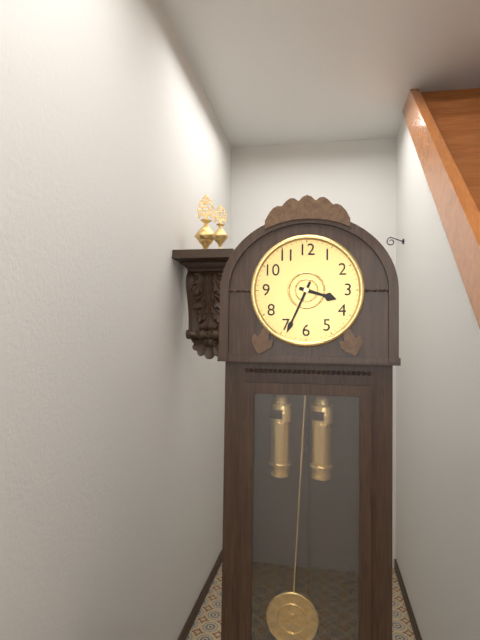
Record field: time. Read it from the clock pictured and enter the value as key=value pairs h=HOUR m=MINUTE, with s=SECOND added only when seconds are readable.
h=3 m=34
